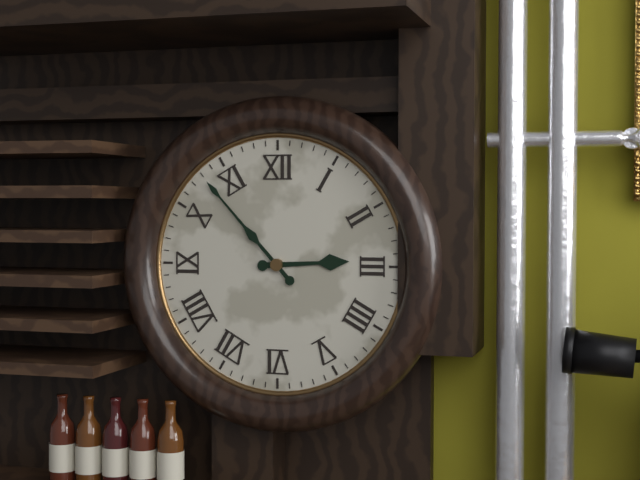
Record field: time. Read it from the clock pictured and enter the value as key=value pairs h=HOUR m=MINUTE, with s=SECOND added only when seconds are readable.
h=2 m=53
